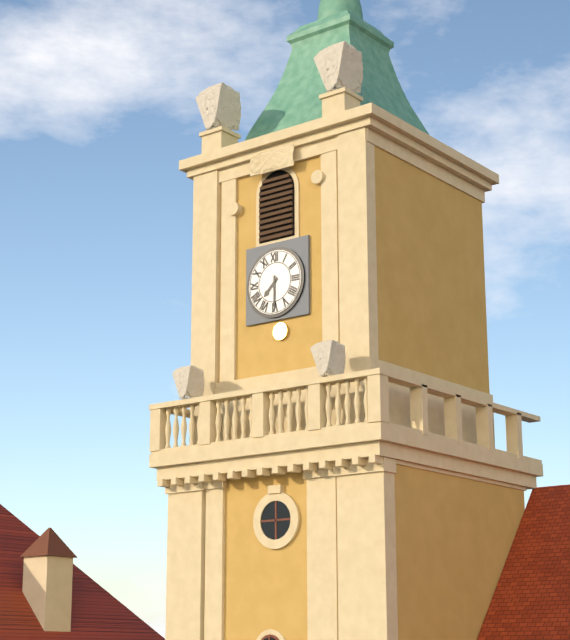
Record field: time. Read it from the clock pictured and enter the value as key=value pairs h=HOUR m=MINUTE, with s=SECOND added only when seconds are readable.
h=7 m=30
